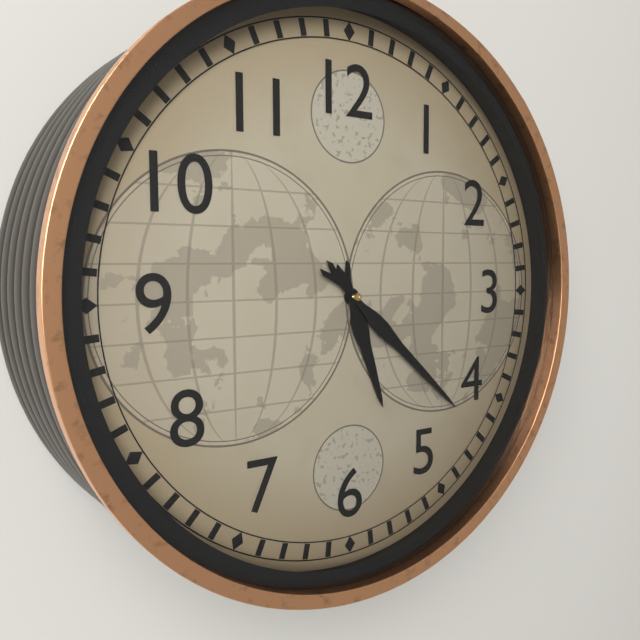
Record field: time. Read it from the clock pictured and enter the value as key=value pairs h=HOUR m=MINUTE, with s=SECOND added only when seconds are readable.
h=5 m=22
